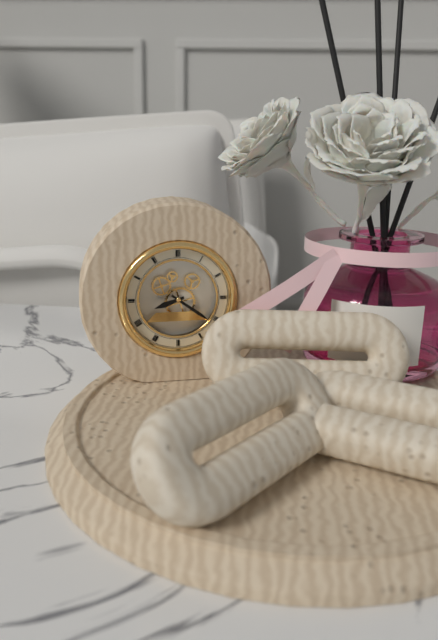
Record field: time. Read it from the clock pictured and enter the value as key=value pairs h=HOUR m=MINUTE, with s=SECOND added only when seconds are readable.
h=8 m=21
